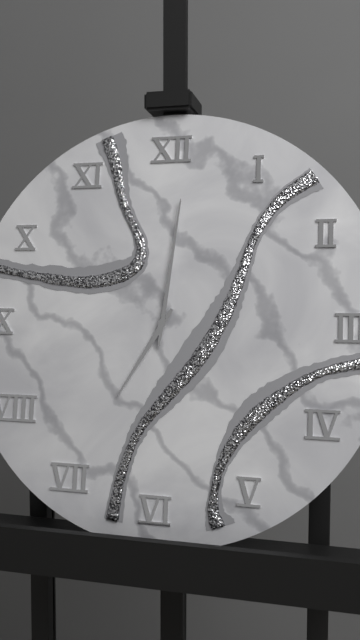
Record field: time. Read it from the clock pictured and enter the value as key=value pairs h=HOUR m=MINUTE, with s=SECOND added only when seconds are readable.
h=7 m=1
